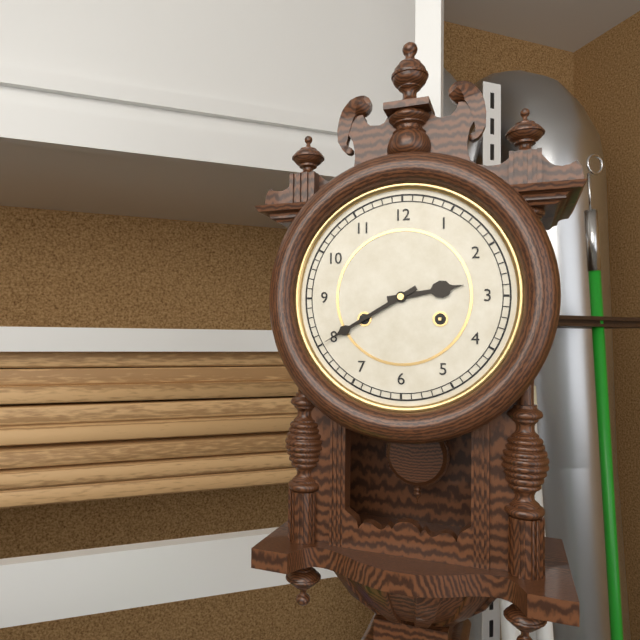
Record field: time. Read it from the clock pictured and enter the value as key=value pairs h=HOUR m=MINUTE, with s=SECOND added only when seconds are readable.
h=2 m=40
